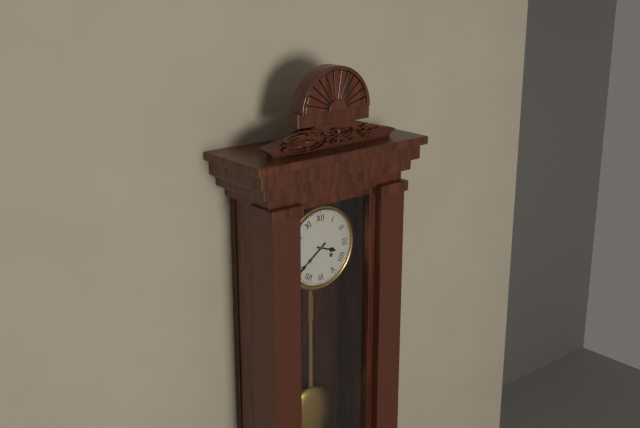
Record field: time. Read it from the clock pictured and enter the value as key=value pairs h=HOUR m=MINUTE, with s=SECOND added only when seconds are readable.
h=3 m=39
